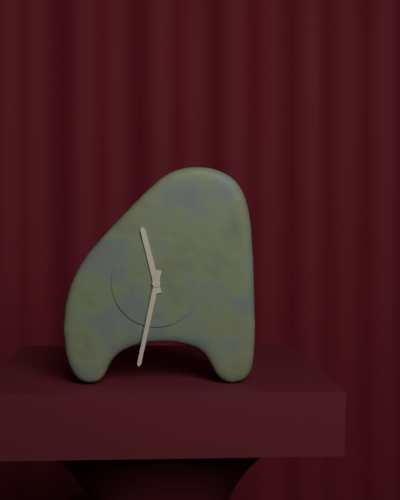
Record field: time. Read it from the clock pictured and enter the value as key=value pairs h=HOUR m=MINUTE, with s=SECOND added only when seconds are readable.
h=11 m=32
